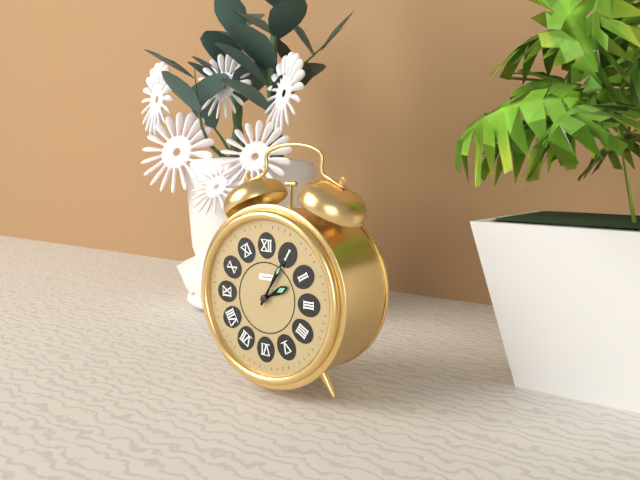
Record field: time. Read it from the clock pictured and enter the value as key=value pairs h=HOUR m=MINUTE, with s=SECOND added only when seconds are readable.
h=2 m=5
